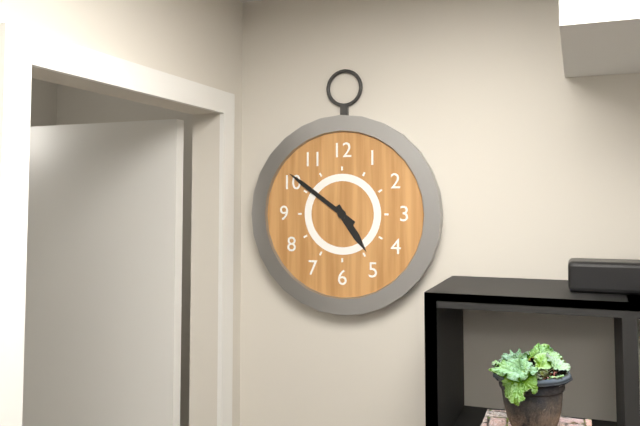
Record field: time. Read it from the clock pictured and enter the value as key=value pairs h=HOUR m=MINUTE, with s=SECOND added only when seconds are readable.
h=4 m=51
